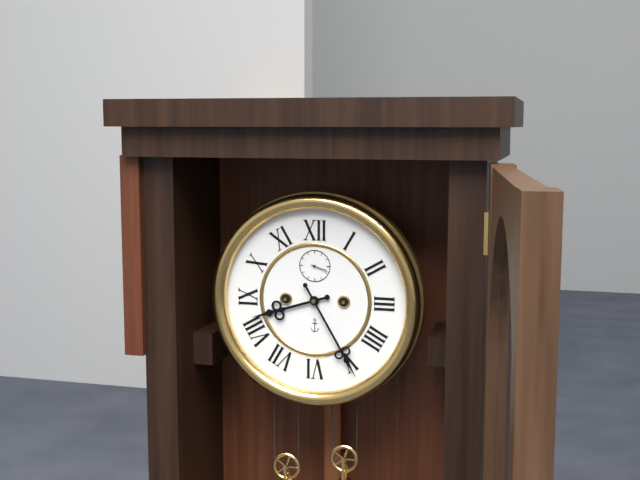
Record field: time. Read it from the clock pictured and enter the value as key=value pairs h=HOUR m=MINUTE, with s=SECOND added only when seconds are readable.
h=8 m=25
